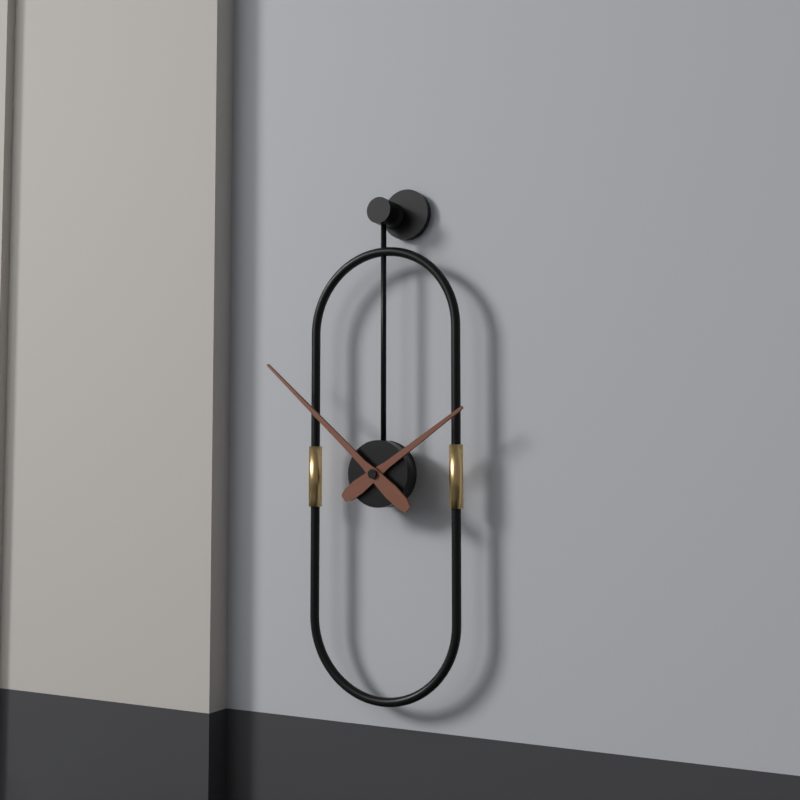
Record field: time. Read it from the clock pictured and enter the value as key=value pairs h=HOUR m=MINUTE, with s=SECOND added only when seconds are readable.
h=1 m=52
